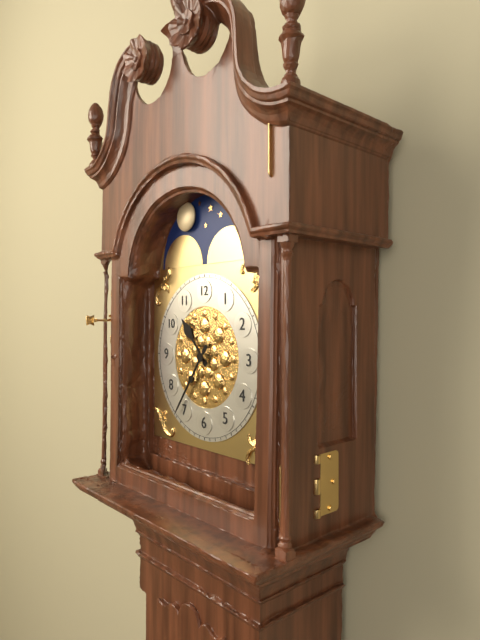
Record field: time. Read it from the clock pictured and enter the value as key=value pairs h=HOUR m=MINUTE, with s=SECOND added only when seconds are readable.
h=10 m=36
